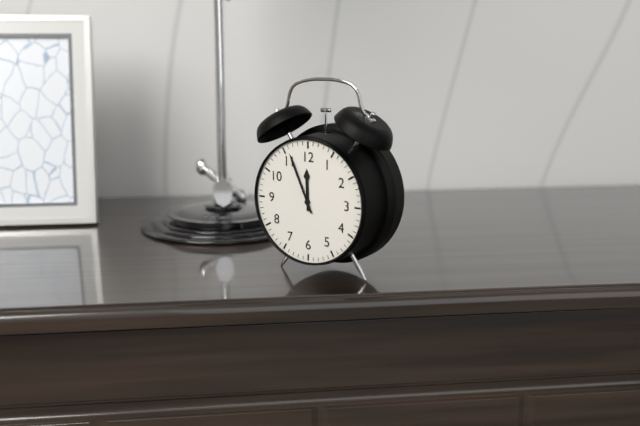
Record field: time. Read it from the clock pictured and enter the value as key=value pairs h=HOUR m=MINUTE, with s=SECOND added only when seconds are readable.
h=11 m=56
